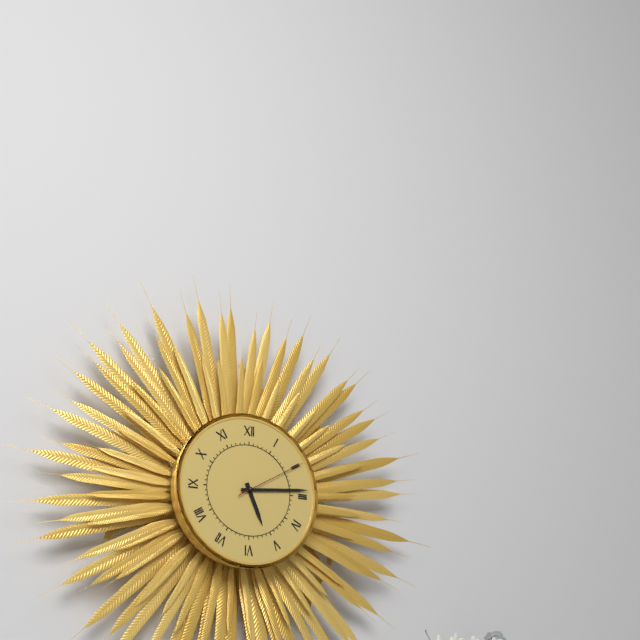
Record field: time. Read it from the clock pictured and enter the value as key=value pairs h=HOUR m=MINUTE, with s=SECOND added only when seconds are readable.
h=5 m=14 s=10
